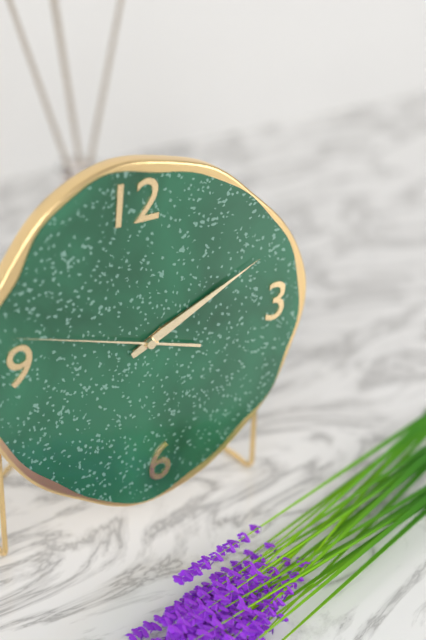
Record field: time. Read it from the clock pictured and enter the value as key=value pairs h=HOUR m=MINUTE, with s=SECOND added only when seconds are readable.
h=2 m=11 s=48
